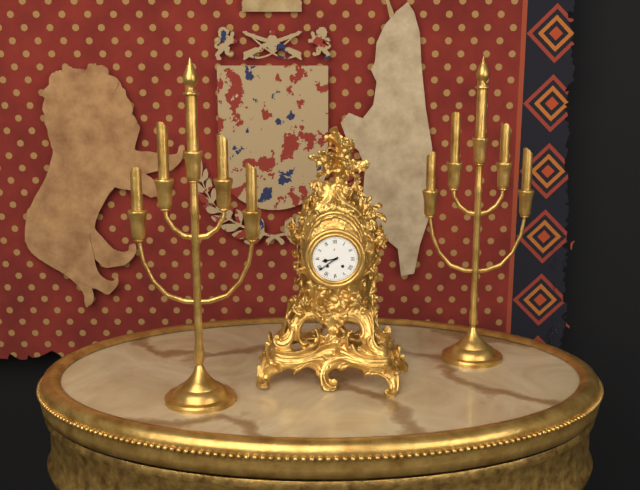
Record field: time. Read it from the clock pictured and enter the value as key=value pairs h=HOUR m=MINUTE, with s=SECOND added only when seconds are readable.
h=8 m=39
